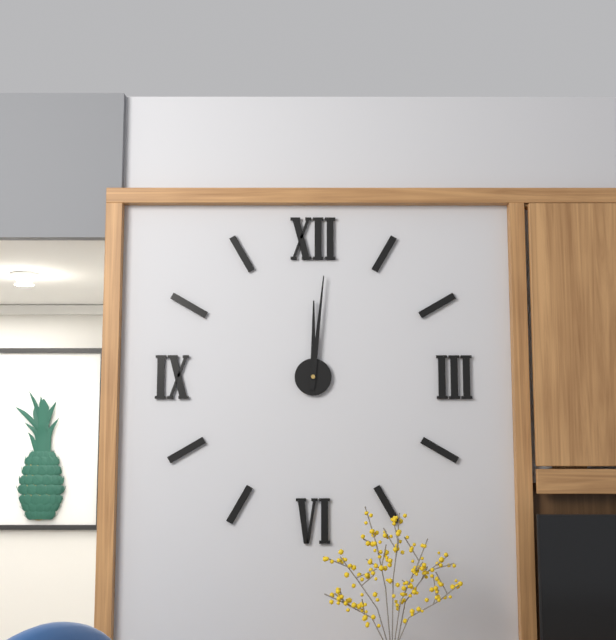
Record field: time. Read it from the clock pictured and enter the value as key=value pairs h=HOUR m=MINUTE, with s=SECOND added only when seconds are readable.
h=12 m=1
